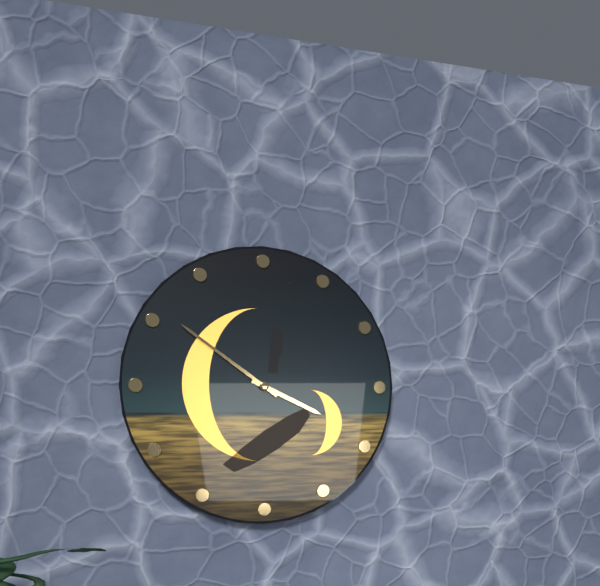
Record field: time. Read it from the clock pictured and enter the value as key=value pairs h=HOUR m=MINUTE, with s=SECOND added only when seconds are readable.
h=3 m=51
